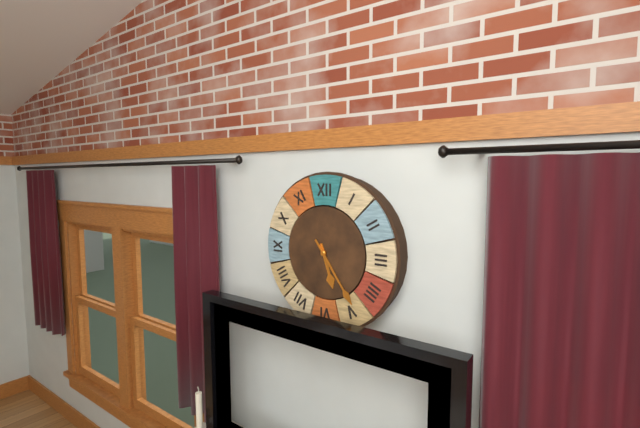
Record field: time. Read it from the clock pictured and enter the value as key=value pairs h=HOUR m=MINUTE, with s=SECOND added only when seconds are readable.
h=5 m=24
